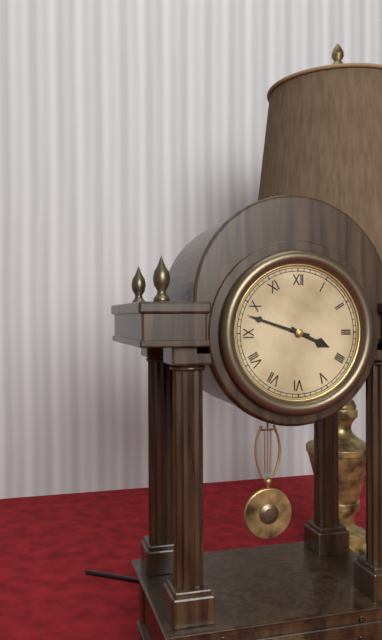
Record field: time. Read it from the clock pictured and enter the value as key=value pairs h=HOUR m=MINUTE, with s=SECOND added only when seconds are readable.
h=3 m=48
